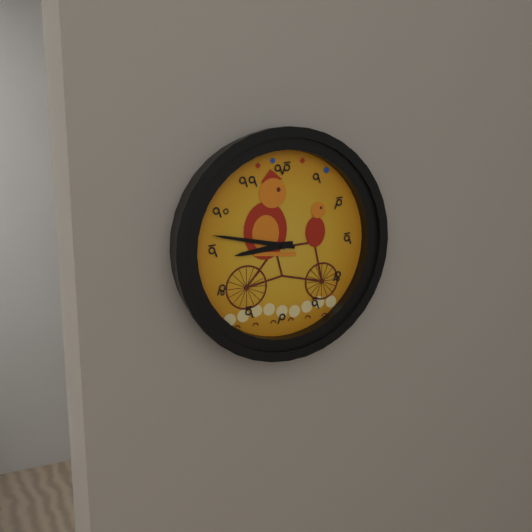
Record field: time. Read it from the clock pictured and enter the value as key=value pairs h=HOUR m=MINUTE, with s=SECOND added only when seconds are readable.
h=8 m=47
